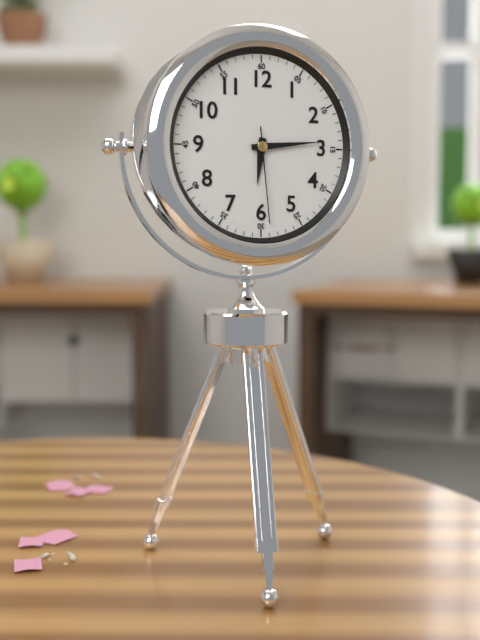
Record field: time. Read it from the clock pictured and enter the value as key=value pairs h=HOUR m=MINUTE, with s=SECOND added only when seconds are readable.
h=6 m=14 s=29
